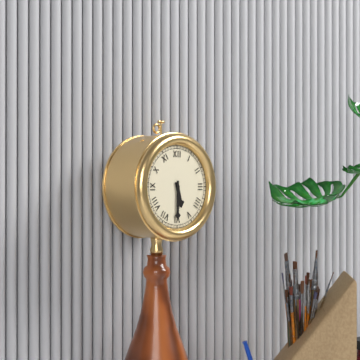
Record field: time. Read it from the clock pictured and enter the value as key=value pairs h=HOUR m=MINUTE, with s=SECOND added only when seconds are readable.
h=5 m=30
